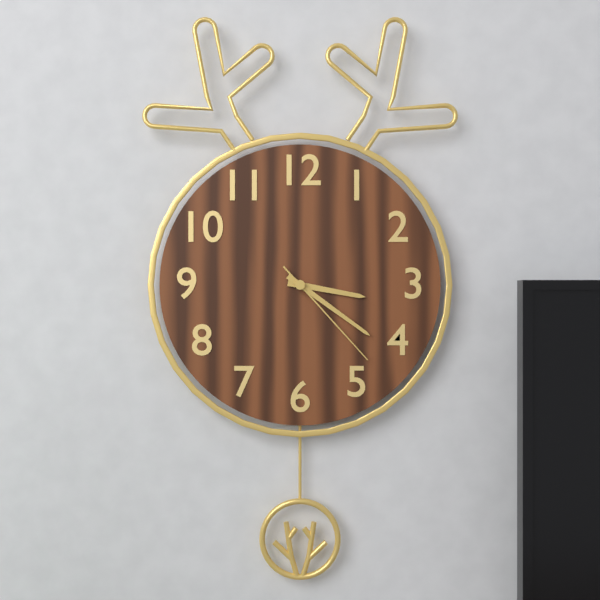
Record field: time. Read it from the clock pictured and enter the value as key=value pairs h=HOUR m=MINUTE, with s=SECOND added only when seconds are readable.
h=3 m=21 s=23
